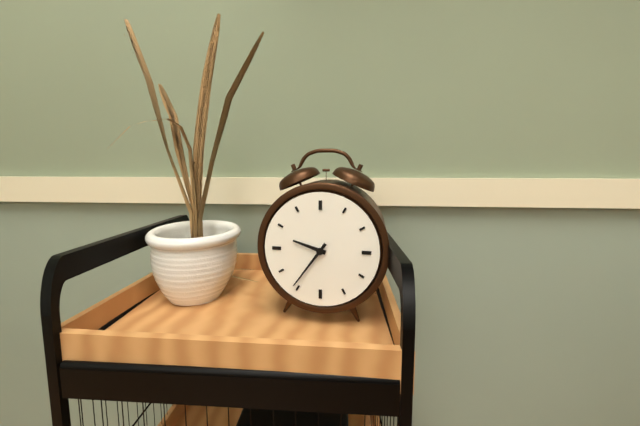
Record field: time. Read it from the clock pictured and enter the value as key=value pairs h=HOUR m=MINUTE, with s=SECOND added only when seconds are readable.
h=9 m=36
